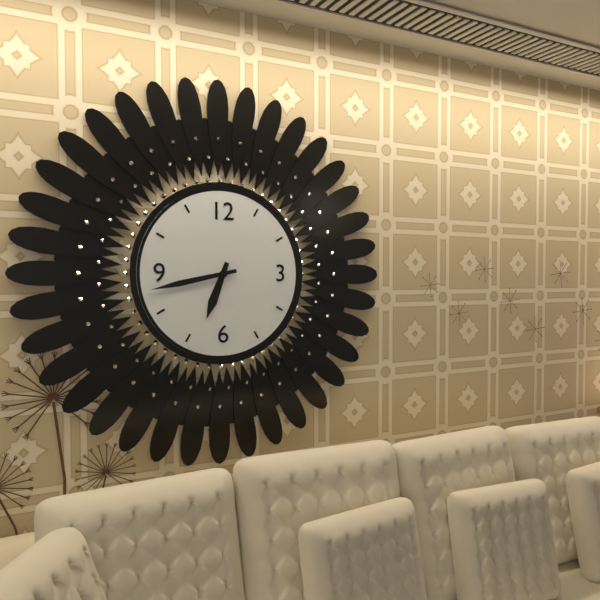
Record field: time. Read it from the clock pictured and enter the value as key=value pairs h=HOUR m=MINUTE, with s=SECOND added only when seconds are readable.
h=6 m=43
